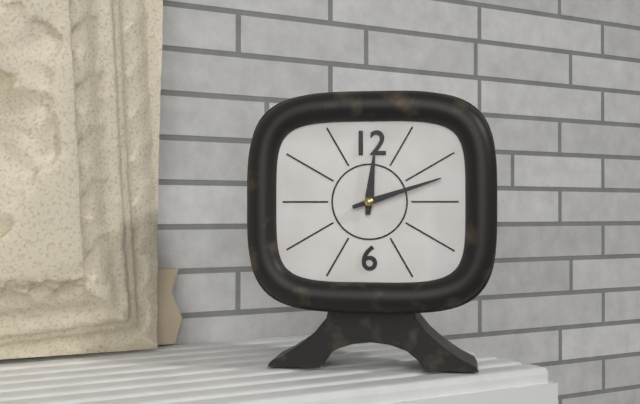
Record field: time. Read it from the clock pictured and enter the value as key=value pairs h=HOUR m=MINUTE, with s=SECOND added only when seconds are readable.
h=12 m=12
